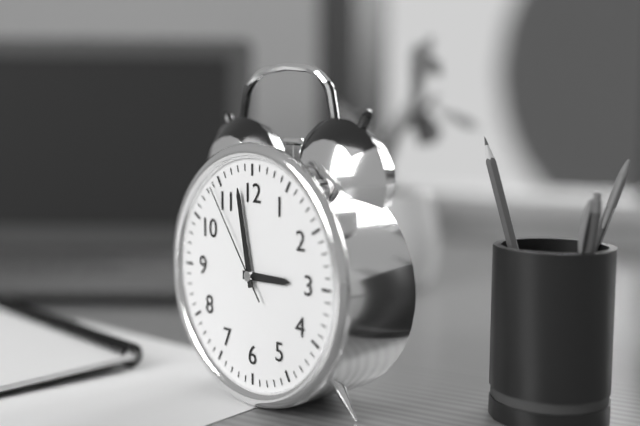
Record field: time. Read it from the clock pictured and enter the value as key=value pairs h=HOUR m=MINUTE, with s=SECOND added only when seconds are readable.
h=2 m=58 s=54
